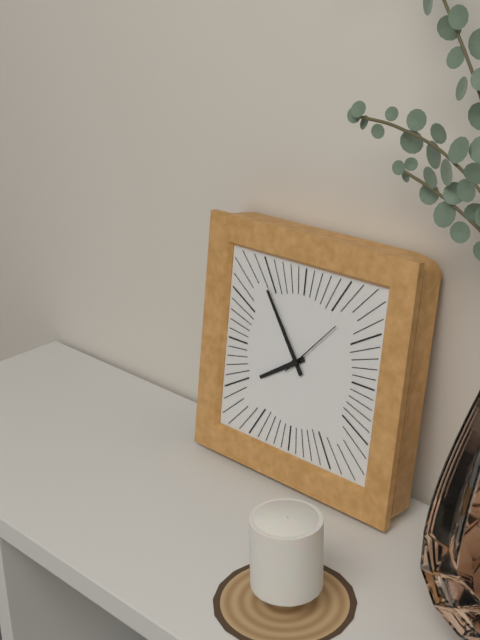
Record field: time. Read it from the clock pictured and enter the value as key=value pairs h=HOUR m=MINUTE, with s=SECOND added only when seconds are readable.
h=7 m=54 s=7
